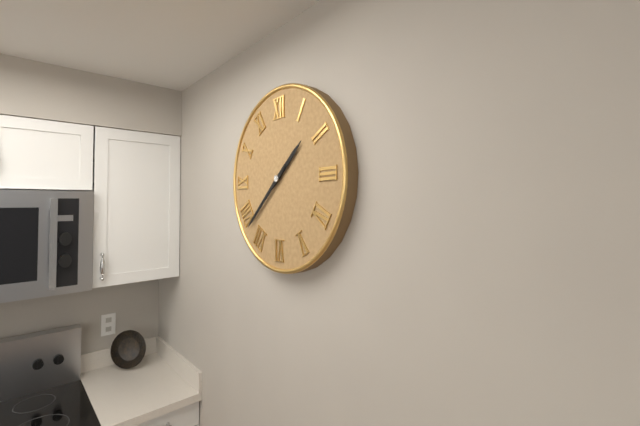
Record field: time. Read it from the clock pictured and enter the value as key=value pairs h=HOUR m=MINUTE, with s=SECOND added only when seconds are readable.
h=1 m=38
